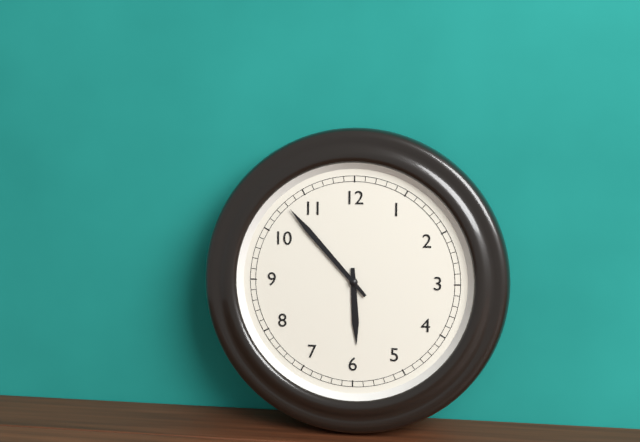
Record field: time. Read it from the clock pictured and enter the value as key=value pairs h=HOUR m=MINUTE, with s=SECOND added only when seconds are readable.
h=5 m=53
